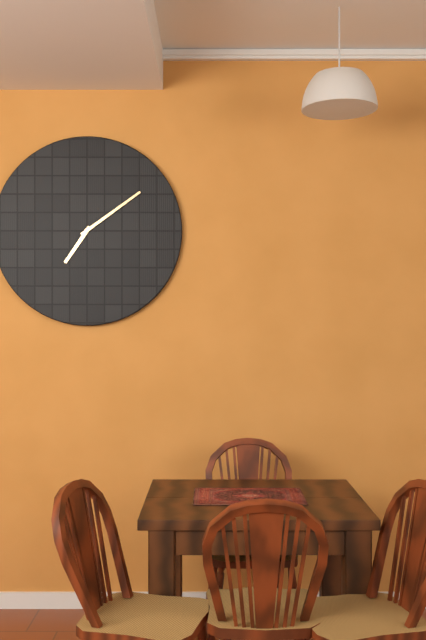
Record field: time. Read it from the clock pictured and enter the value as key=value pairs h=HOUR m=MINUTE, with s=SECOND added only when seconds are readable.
h=7 m=9
